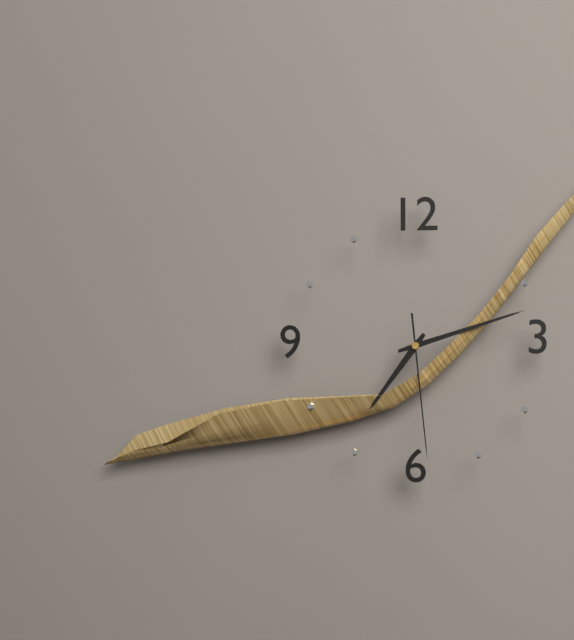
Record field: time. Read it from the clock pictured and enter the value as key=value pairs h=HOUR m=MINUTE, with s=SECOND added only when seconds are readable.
h=7 m=12 s=29
